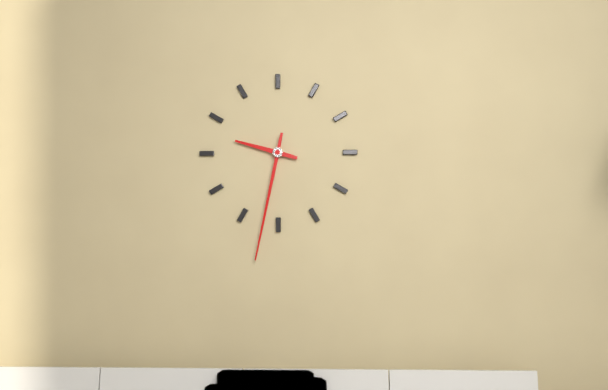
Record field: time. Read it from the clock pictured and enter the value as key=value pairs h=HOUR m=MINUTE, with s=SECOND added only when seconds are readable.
h=9 m=32
